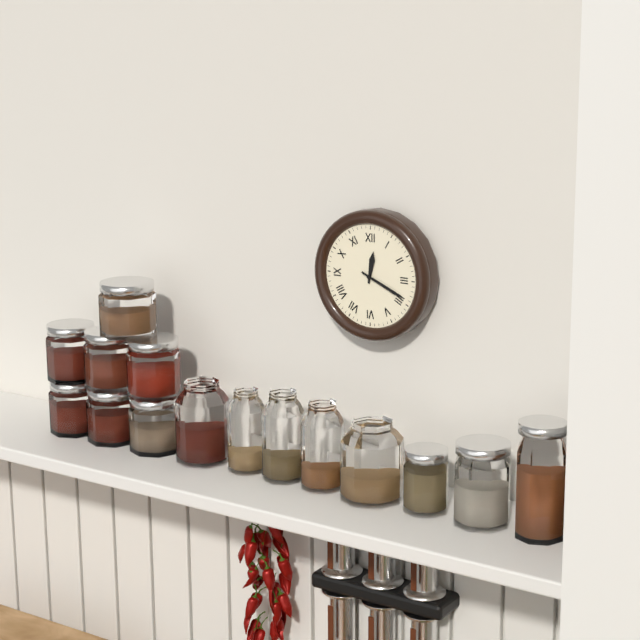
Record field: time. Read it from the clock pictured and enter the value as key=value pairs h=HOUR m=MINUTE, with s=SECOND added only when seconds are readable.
h=12 m=19
